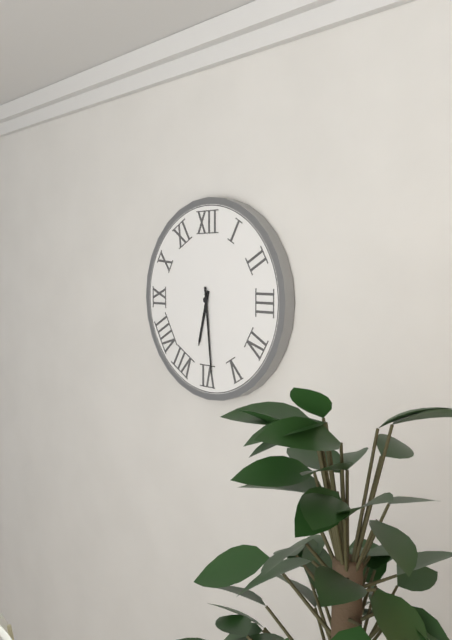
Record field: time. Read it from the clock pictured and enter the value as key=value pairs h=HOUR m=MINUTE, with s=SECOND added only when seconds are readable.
h=6 m=29
